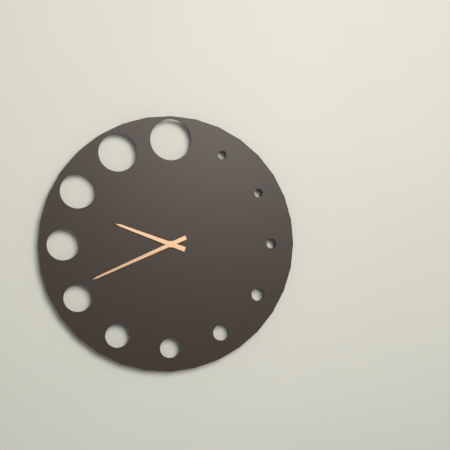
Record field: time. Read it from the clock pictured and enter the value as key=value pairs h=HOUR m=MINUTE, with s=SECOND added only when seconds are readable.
h=9 m=41
